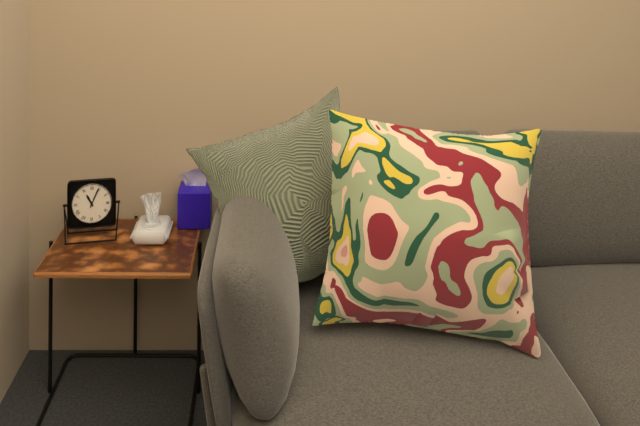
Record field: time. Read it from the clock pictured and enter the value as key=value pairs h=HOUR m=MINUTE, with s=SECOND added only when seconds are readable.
h=11 m=4
